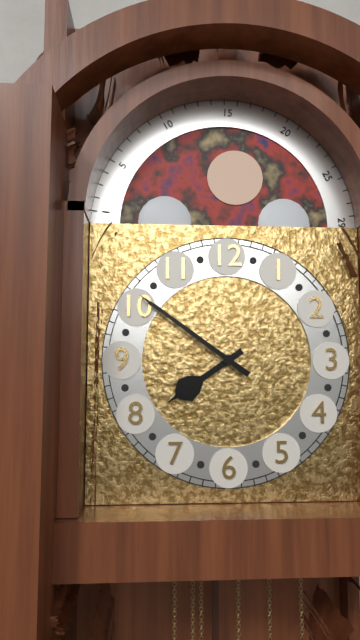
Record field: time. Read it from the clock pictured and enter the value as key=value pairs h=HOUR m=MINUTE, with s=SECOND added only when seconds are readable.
h=7 m=51
